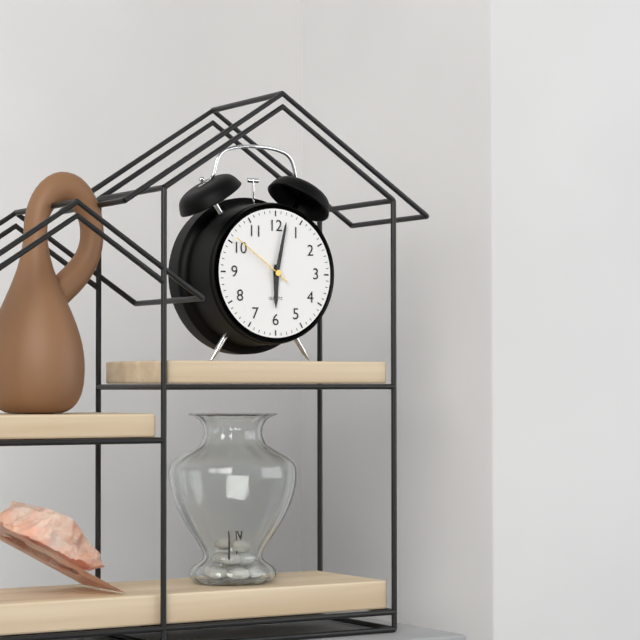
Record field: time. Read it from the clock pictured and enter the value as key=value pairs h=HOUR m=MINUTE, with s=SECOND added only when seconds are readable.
h=6 m=2 s=51
